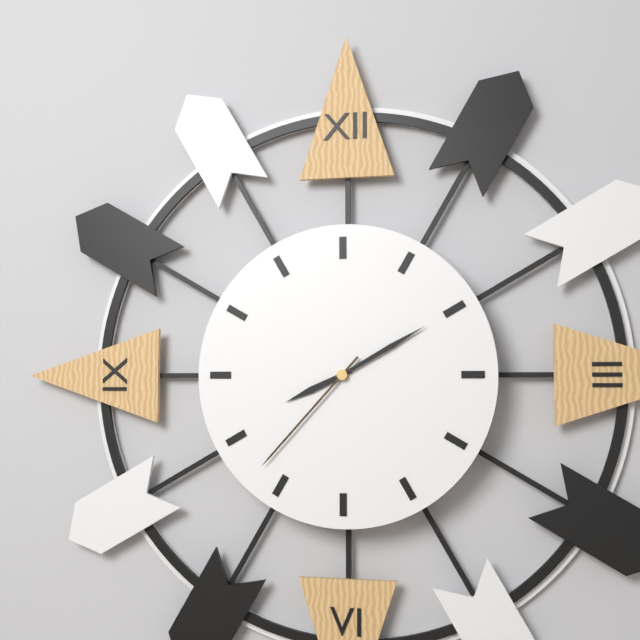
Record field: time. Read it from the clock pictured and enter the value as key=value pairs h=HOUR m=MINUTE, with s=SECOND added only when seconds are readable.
h=8 m=10 s=37
